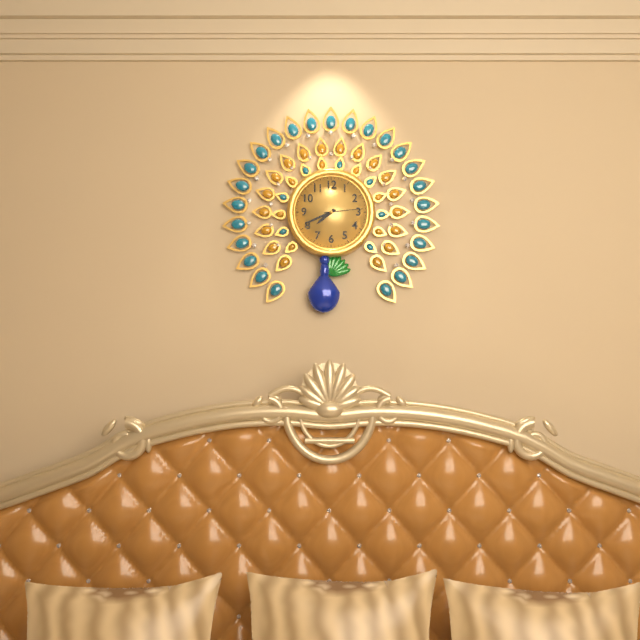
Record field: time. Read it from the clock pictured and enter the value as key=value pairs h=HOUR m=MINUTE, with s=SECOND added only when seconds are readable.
h=7 m=41
